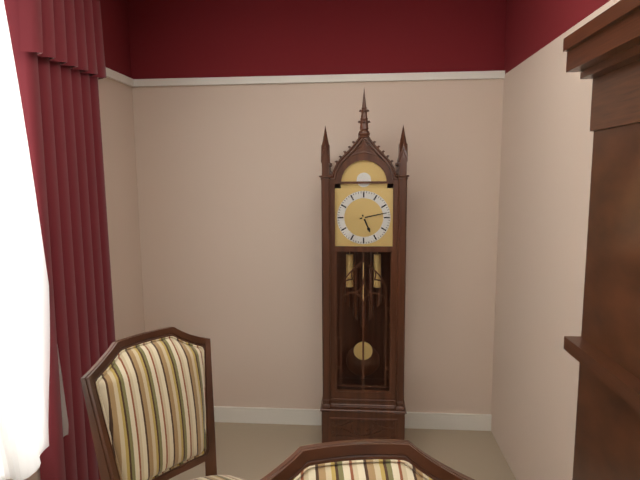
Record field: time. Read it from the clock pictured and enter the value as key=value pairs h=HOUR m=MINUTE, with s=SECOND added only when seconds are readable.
h=5 m=13
